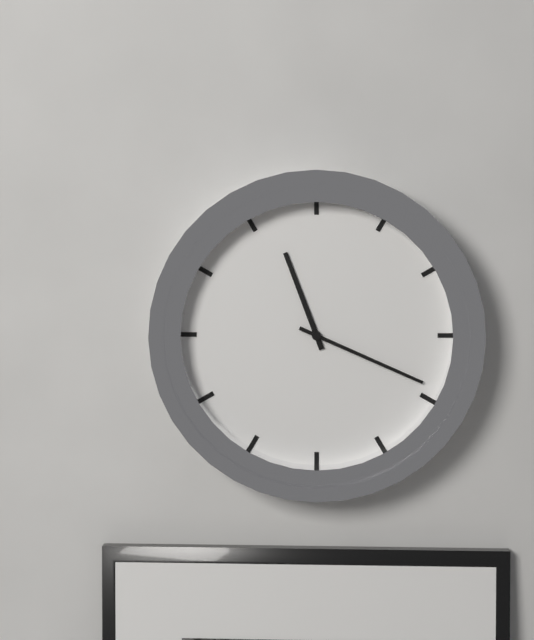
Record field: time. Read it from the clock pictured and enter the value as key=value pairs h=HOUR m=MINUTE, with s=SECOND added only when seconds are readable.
h=11 m=19
